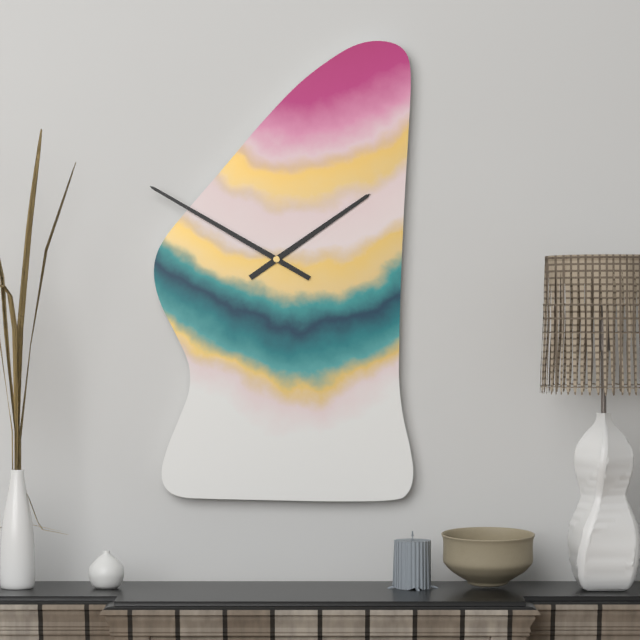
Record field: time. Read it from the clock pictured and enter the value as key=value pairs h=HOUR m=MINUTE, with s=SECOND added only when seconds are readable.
h=1 m=50
